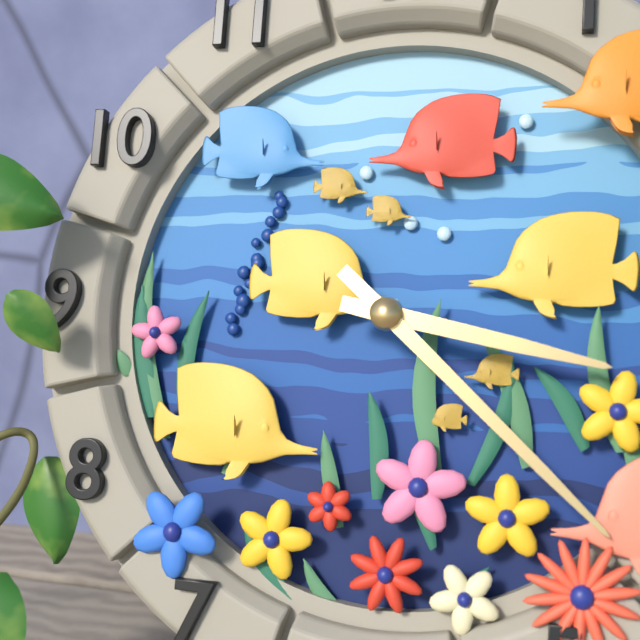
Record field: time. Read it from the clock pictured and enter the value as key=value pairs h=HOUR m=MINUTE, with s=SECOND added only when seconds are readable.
h=3 m=22
